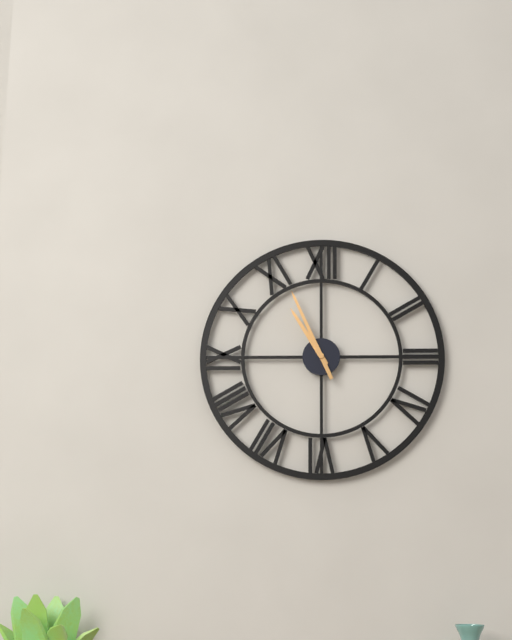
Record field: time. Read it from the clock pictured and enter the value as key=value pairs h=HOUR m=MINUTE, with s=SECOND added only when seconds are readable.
h=10 m=56
